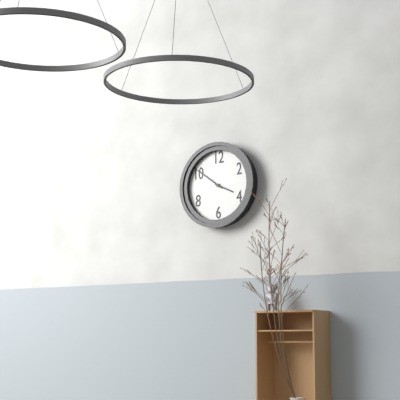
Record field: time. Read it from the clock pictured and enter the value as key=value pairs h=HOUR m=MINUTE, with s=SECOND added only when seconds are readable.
h=3 m=51
